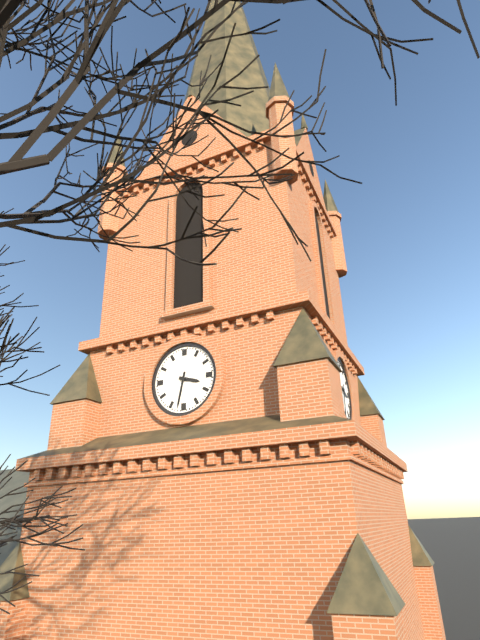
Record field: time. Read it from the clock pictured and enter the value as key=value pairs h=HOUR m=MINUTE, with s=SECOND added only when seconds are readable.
h=3 m=32
